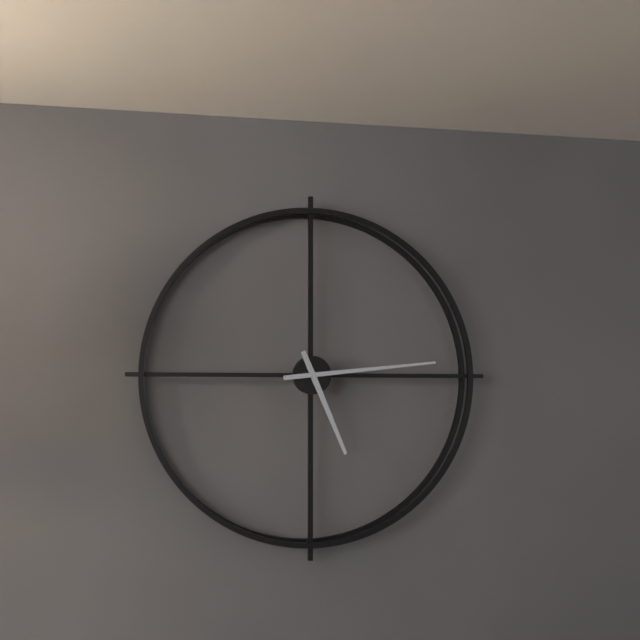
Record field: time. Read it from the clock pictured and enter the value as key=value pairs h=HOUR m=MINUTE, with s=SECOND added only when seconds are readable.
h=5 m=14
